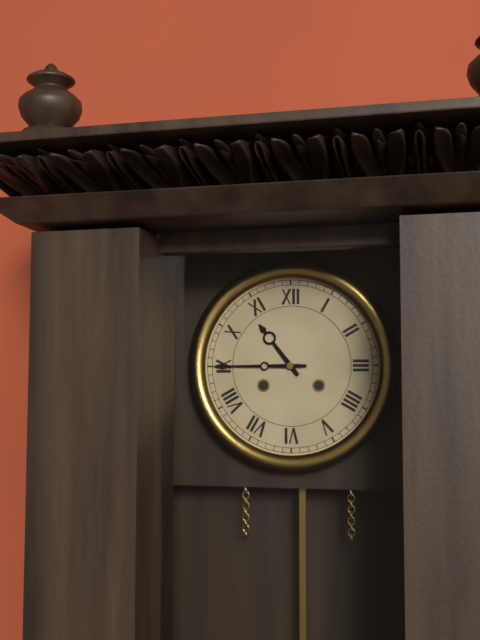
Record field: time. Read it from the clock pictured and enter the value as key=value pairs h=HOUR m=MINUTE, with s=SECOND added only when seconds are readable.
h=10 m=45
